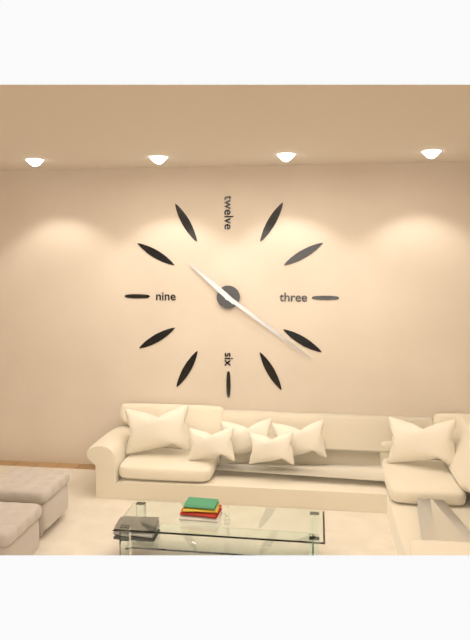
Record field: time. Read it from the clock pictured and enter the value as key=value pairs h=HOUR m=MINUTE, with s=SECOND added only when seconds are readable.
h=10 m=21
